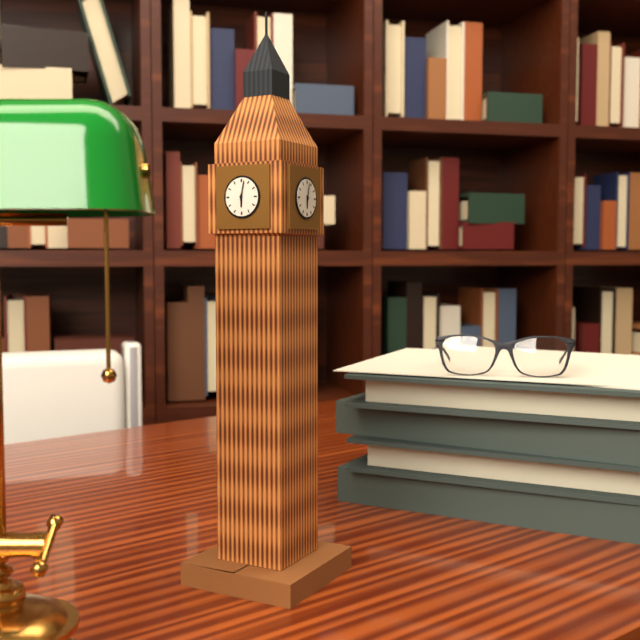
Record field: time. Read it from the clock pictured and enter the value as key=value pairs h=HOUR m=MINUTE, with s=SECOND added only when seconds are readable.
h=6 m=2
